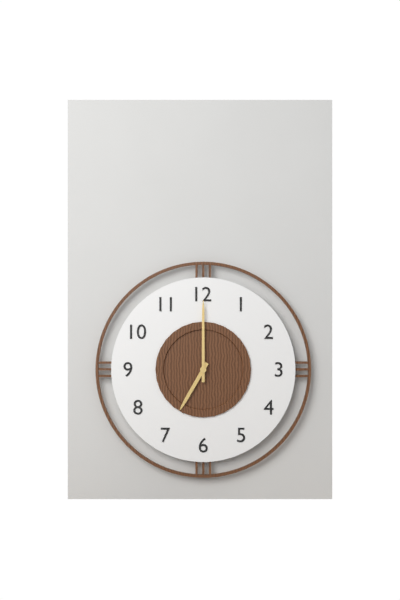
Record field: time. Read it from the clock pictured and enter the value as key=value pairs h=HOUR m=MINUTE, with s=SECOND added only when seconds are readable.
h=7 m=0
